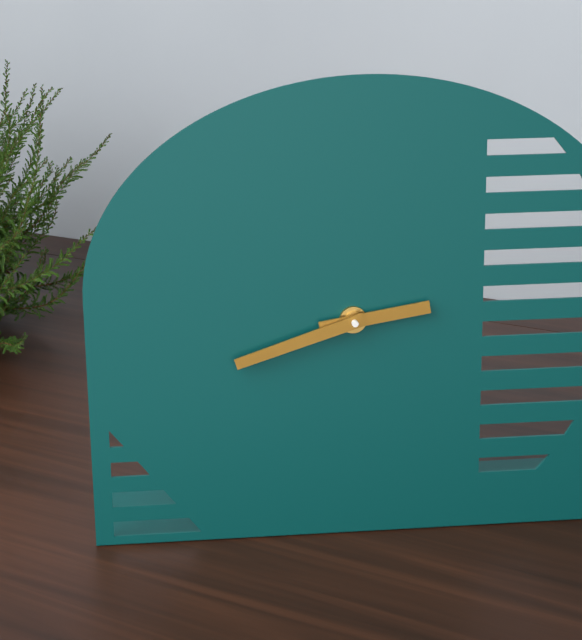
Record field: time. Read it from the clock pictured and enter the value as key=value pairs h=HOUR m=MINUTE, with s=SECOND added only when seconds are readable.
h=2 m=42
